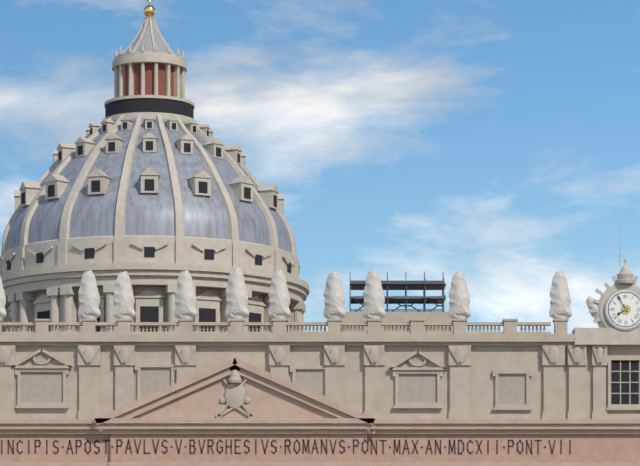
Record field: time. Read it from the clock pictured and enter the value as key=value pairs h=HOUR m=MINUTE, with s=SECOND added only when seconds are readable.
h=7 m=55
